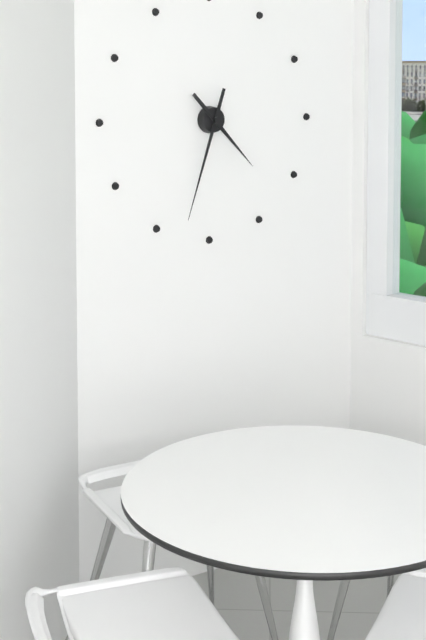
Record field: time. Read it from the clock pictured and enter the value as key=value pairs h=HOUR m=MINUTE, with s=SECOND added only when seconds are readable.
h=4 m=33
